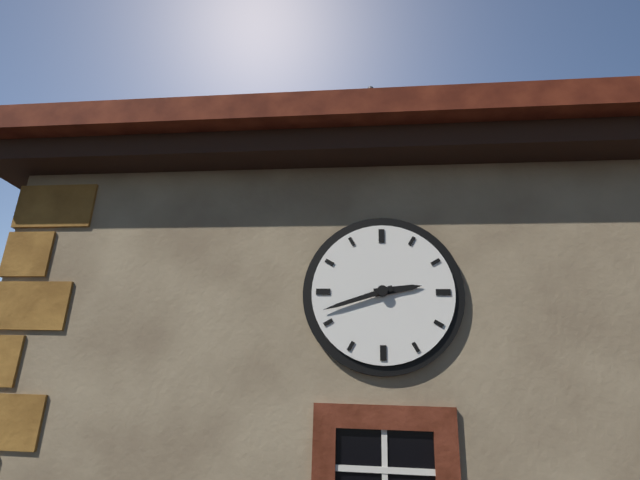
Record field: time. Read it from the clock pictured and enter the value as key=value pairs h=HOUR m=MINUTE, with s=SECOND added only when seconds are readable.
h=2 m=42
